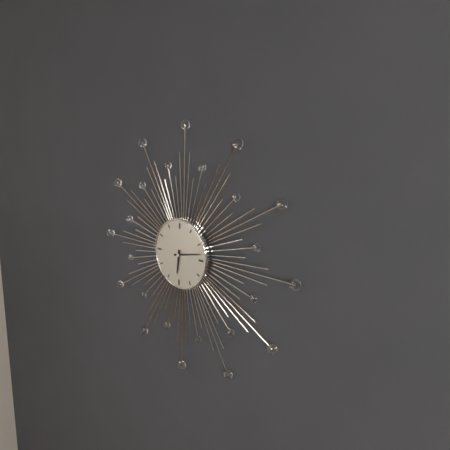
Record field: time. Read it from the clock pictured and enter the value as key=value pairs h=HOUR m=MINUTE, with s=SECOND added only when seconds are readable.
h=6 m=13
